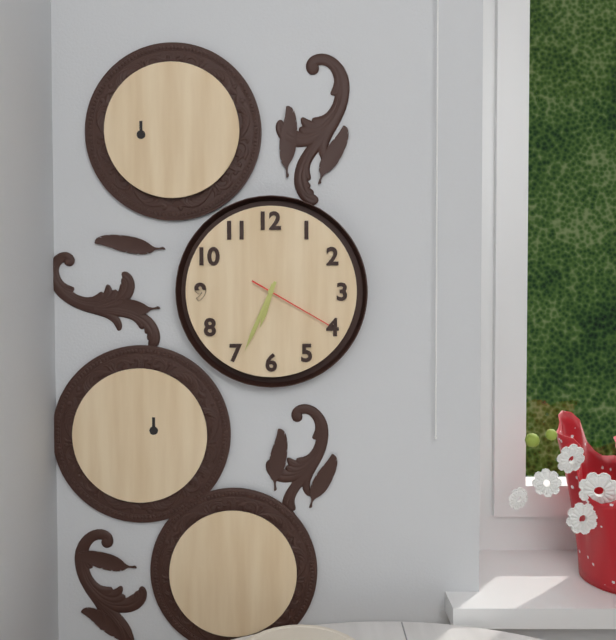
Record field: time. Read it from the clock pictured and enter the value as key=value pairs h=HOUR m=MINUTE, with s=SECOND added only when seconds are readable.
h=6 m=34 s=20
